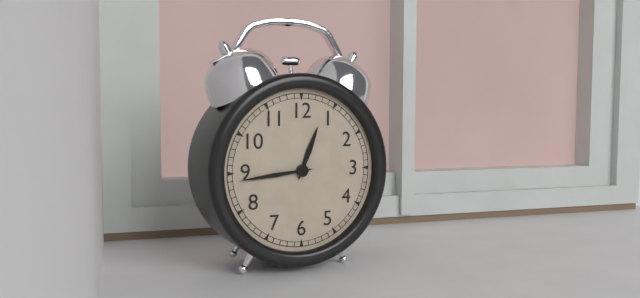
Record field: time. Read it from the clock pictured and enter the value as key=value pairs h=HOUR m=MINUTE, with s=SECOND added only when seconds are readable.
h=12 m=44
